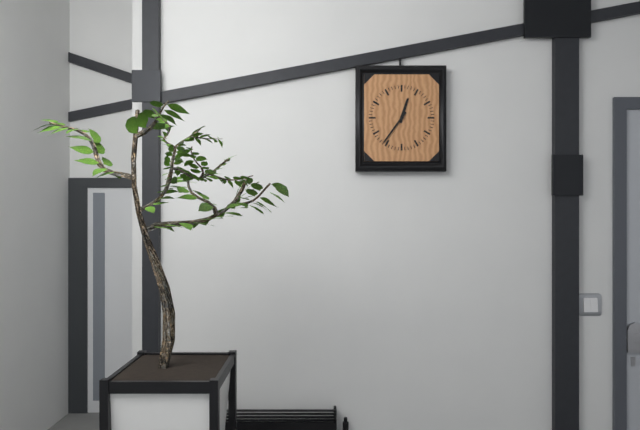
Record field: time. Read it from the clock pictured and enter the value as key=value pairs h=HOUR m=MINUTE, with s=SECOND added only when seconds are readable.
h=12 m=36
